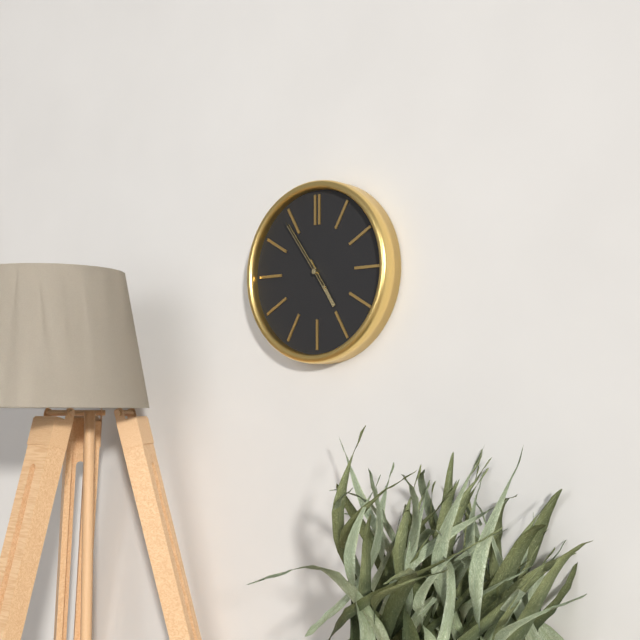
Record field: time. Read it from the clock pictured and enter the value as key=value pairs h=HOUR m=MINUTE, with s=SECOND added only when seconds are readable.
h=4 m=54 s=54
